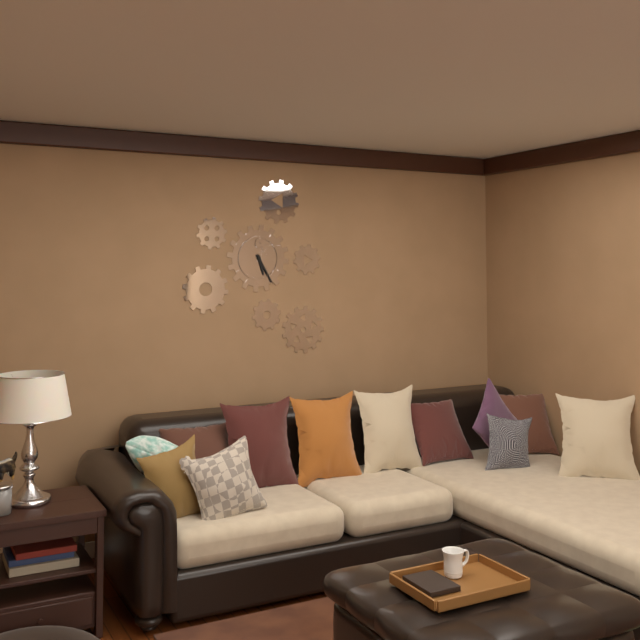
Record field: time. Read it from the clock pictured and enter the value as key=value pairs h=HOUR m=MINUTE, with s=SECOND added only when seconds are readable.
h=5 m=25
